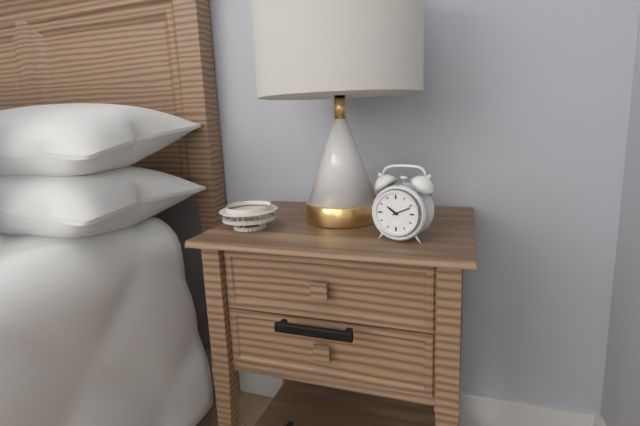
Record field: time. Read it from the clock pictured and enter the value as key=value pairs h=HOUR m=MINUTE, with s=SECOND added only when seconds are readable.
h=10 m=11
